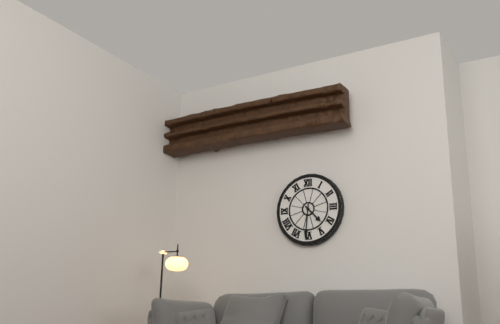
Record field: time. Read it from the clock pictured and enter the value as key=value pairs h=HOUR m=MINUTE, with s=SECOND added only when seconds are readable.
h=4 m=31
